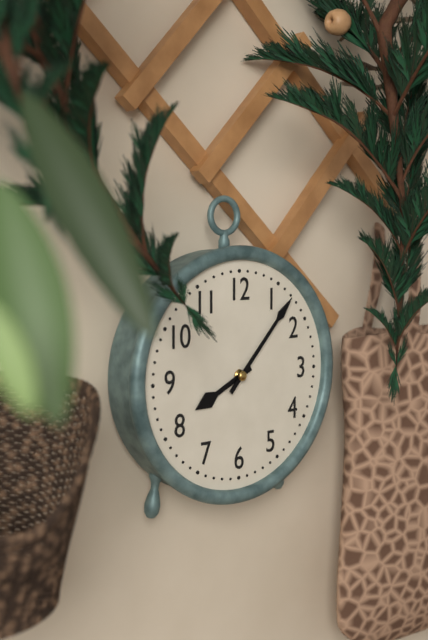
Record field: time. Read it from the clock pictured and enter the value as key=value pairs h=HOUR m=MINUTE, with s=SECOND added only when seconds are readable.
h=8 m=7
